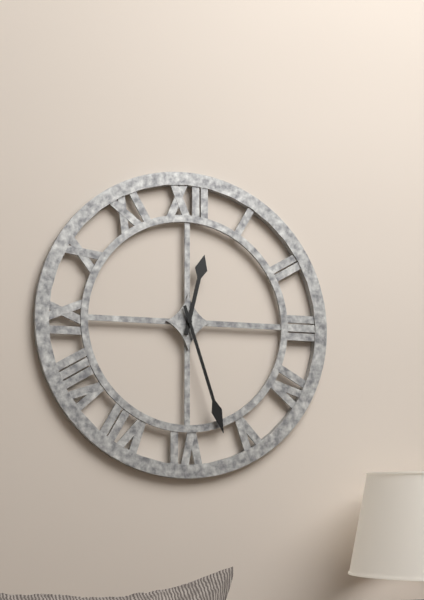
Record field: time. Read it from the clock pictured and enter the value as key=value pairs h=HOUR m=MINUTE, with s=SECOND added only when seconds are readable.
h=12 m=27
